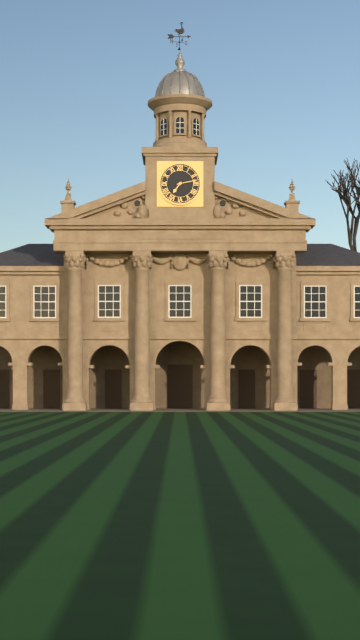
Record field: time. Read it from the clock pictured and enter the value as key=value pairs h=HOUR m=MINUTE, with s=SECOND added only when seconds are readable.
h=7 m=13
